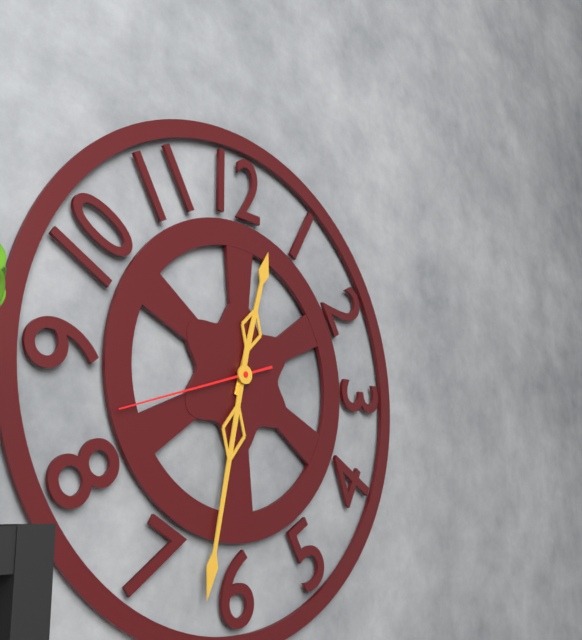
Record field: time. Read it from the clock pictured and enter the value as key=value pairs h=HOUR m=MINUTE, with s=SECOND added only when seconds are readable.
h=12 m=32 s=42
